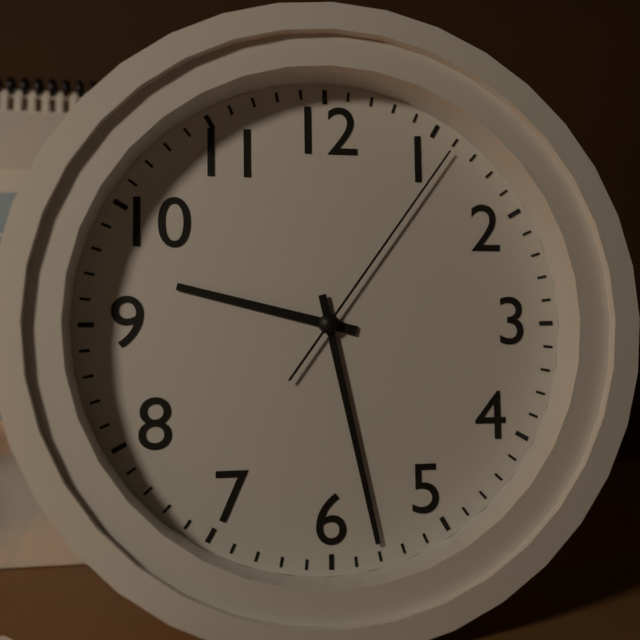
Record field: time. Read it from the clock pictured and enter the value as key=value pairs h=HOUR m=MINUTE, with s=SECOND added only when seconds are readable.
h=9 m=28 s=6
